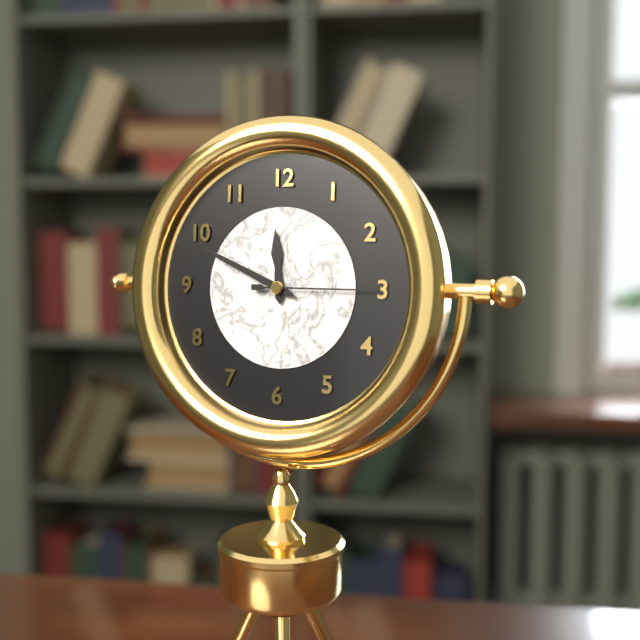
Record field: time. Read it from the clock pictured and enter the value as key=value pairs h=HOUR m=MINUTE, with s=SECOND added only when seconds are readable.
h=11 m=49 s=15
